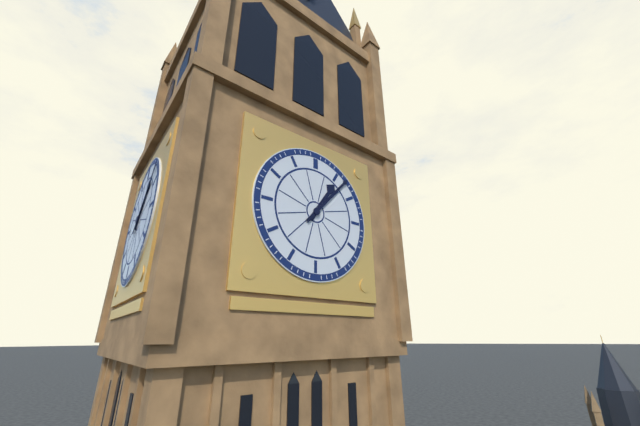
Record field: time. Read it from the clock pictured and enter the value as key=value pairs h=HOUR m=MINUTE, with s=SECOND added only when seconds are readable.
h=1 m=7
